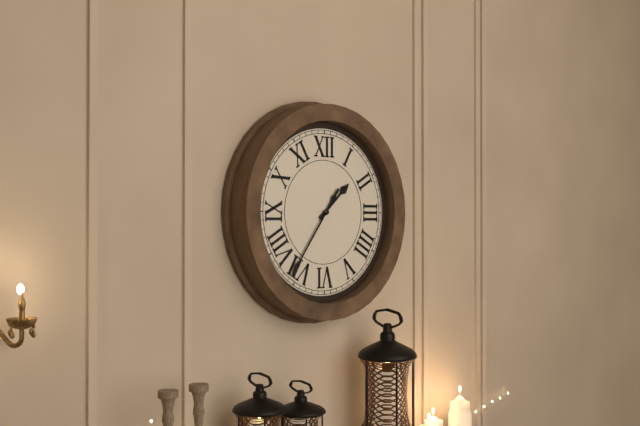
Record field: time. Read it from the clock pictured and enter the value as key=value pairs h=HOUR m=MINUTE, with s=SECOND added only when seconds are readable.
h=1 m=36
